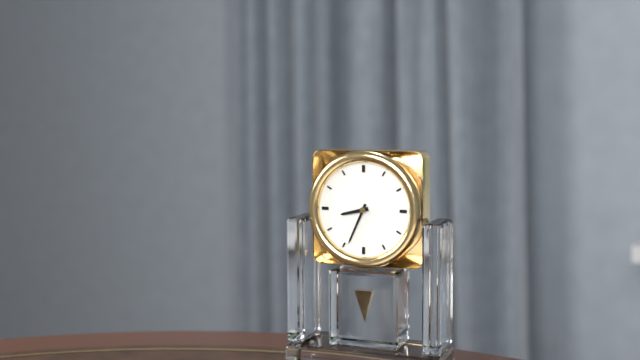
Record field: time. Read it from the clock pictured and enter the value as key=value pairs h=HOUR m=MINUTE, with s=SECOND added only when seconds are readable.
h=8 m=34
